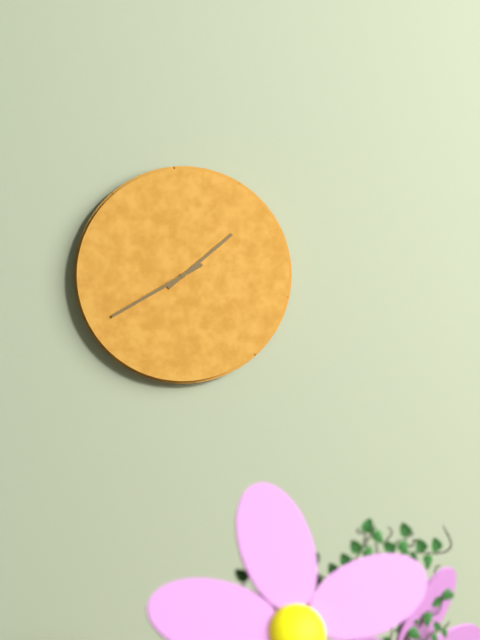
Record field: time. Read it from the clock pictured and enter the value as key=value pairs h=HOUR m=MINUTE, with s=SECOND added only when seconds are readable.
h=1 m=40
